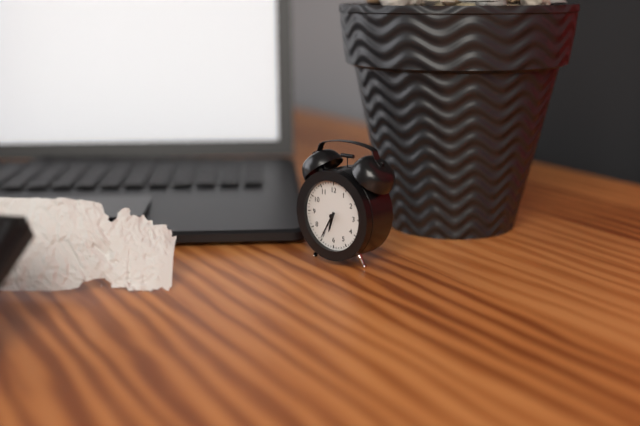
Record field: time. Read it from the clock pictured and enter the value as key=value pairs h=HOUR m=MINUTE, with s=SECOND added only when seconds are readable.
h=6 m=35
